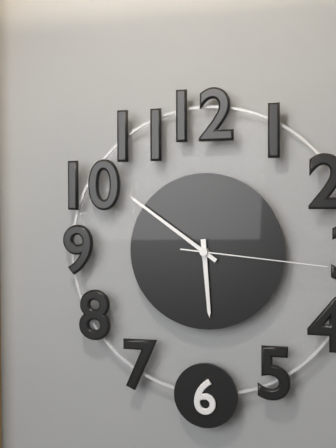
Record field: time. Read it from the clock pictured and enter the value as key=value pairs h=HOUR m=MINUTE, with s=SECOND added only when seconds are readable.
h=5 m=51 s=16
